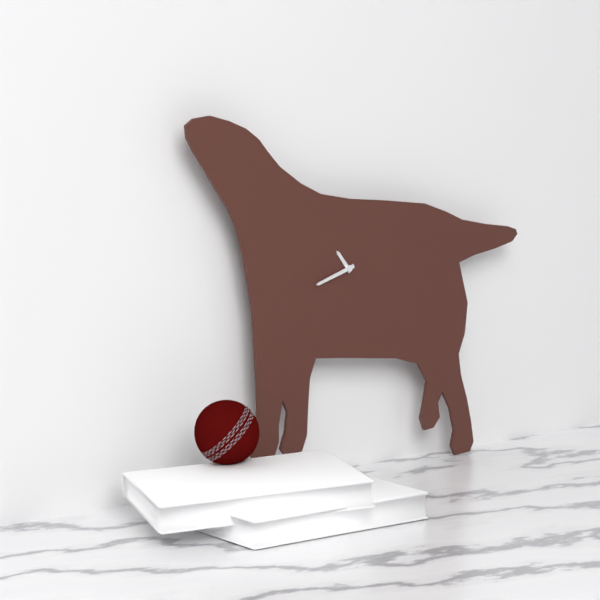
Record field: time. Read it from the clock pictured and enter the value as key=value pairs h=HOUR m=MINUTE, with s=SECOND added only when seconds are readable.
h=10 m=42
